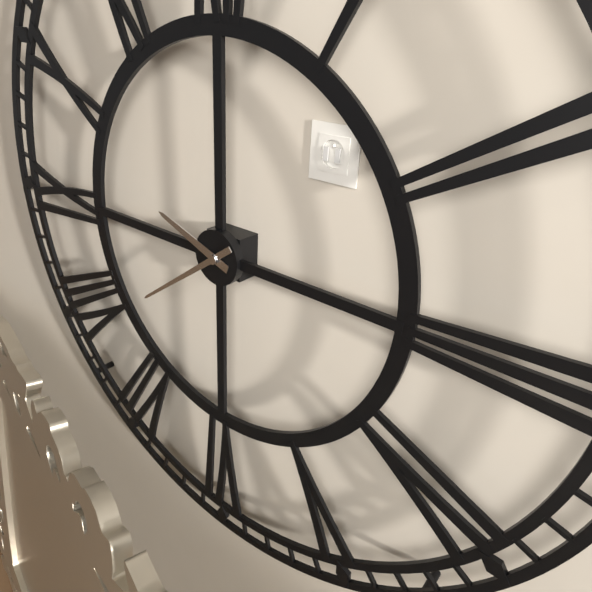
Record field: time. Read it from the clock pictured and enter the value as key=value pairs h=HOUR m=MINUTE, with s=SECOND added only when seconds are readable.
h=9 m=39
